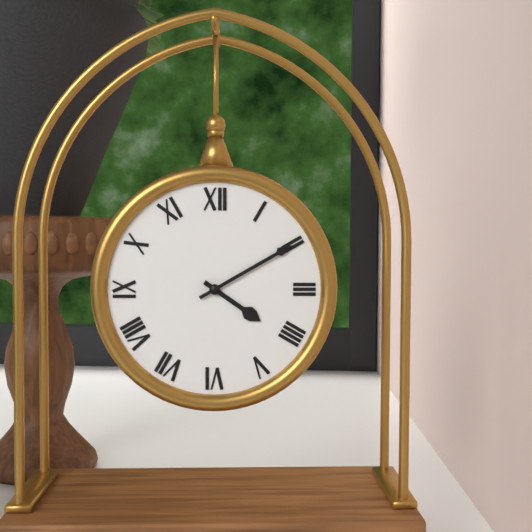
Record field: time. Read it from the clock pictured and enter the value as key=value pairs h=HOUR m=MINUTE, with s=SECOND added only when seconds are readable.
h=4 m=10
